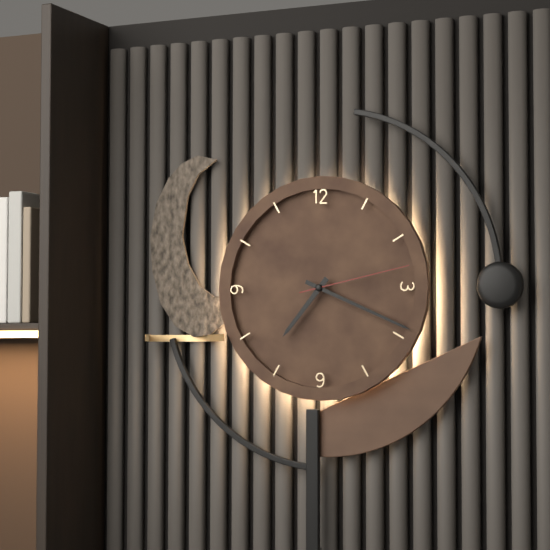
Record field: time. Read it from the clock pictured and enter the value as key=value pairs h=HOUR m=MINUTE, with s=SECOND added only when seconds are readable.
h=7 m=19 s=13
